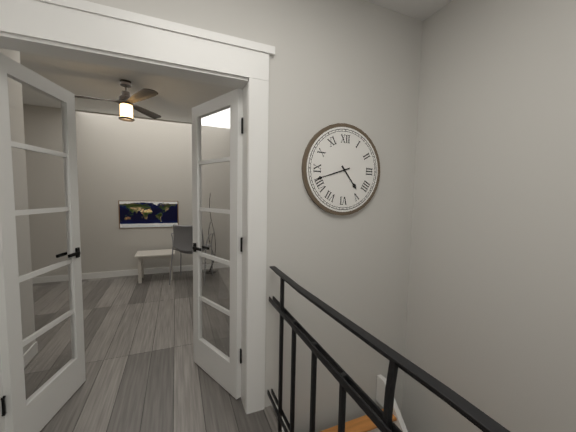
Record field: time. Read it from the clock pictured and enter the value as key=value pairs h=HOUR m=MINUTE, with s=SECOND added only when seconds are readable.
h=4 m=42
